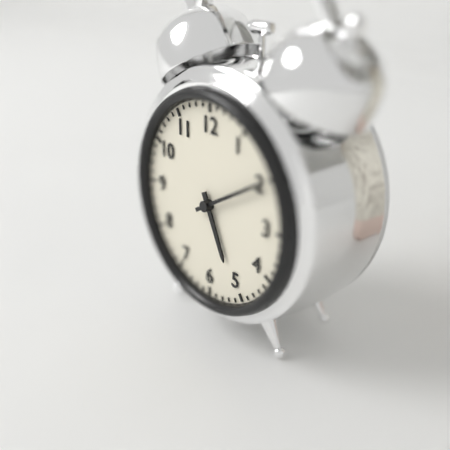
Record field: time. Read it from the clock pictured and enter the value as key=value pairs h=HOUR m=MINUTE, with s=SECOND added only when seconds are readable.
h=5 m=10
